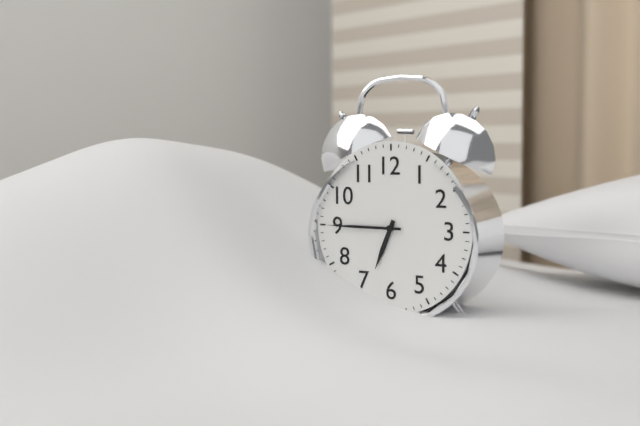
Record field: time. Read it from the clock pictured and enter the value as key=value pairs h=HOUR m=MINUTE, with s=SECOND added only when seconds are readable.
h=6 m=45
